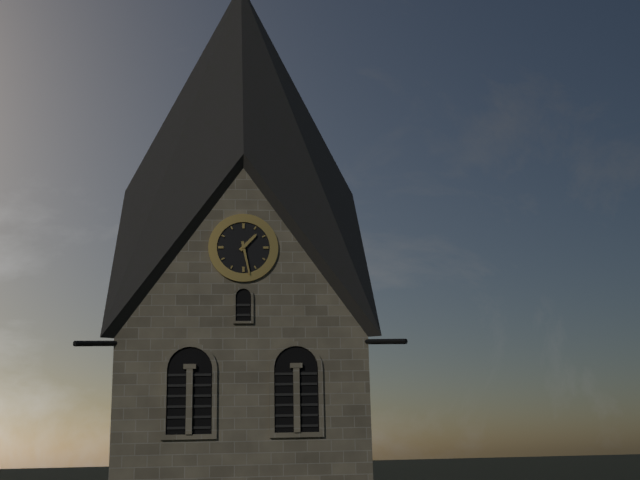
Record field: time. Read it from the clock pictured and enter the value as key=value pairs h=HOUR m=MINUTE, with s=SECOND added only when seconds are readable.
h=1 m=28
